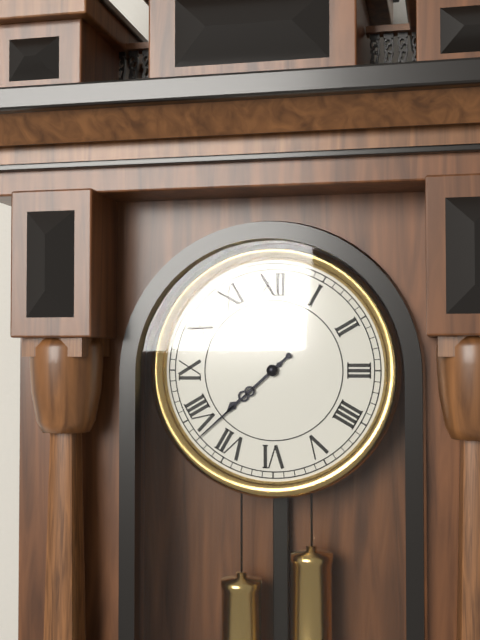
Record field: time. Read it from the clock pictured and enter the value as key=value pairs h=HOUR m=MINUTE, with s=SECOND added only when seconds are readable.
h=7 m=38
